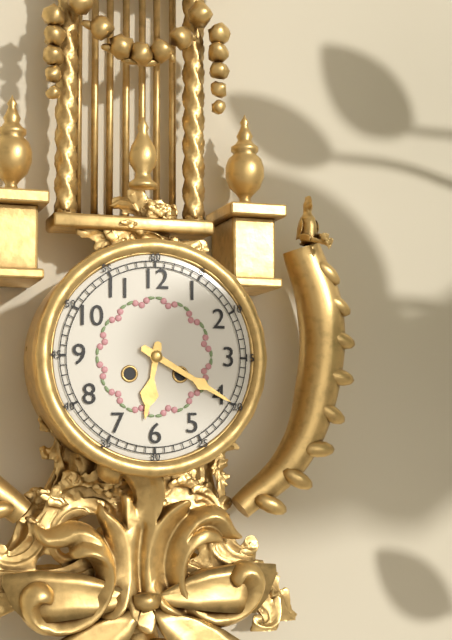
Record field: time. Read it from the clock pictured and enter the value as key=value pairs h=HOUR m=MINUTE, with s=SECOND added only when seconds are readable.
h=6 m=20
